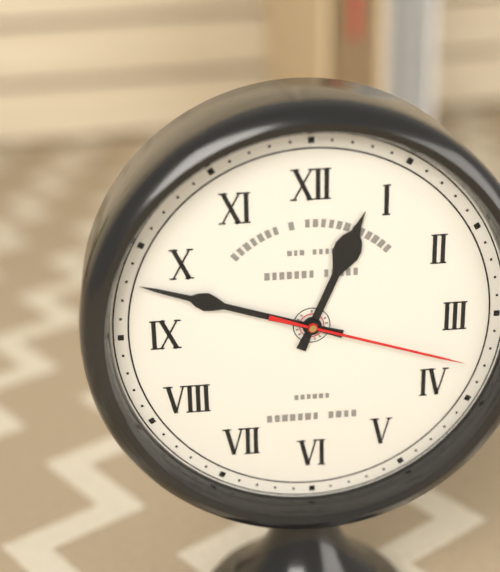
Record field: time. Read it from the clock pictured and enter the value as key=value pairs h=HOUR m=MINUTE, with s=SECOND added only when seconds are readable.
h=12 m=48 s=18
